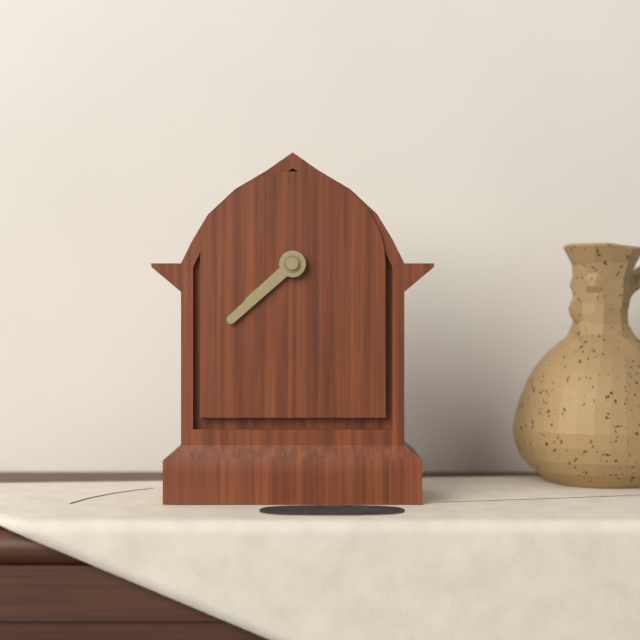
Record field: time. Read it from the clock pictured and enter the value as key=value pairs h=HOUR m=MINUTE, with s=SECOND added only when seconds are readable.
h=7 m=38
